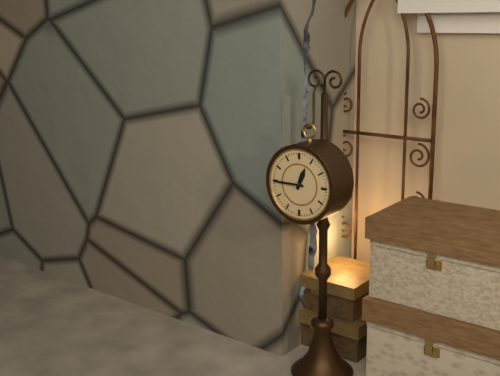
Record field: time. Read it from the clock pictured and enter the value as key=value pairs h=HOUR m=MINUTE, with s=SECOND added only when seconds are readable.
h=12 m=45
